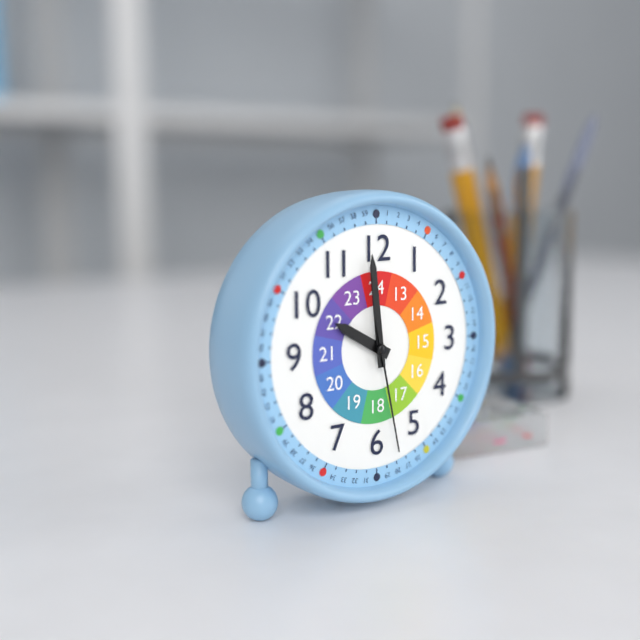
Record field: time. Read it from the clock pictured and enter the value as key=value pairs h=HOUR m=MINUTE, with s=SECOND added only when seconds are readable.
h=9 m=59 s=28
